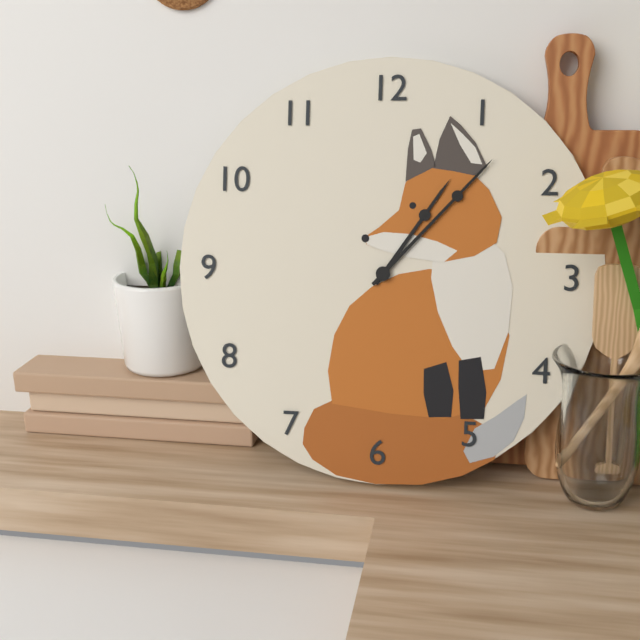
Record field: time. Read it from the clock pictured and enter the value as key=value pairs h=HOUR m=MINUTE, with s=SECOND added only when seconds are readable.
h=1 m=7
